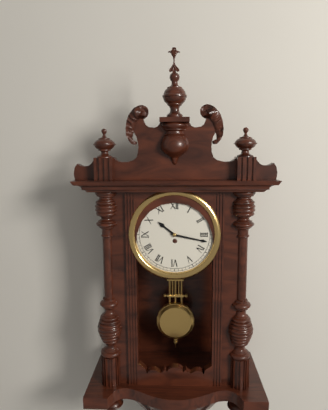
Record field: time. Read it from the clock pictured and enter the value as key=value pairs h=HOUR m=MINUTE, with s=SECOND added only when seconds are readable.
h=10 m=17
